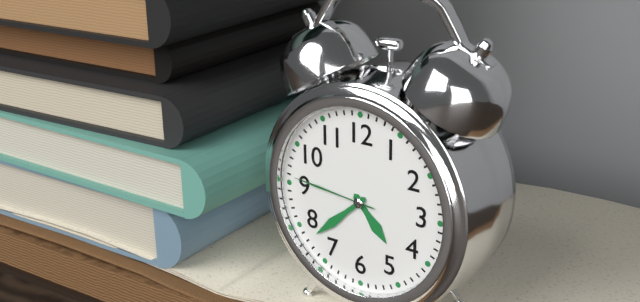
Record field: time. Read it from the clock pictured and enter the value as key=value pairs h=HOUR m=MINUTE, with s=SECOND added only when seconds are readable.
h=4 m=38 s=46
